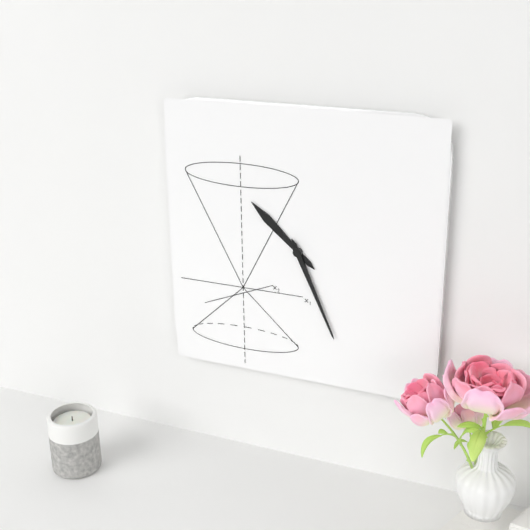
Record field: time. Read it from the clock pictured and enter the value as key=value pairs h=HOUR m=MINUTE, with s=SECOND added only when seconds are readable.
h=10 m=26
